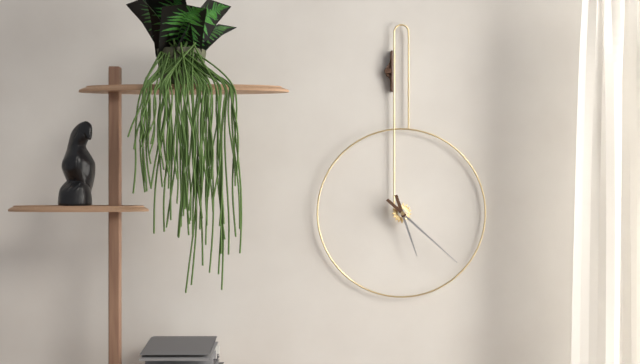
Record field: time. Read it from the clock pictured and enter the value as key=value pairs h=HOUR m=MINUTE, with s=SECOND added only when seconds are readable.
h=5 m=22
